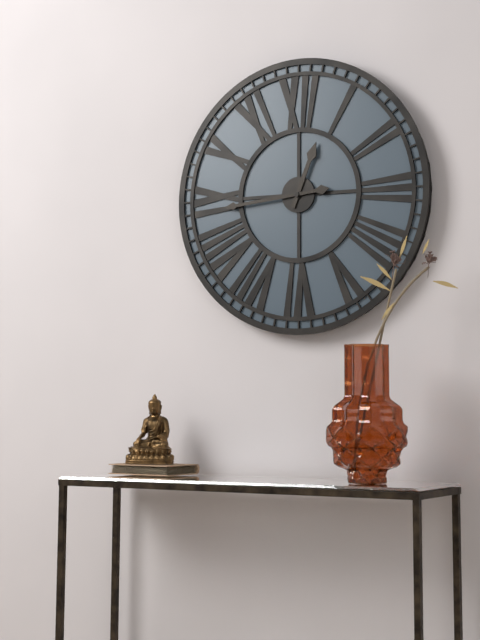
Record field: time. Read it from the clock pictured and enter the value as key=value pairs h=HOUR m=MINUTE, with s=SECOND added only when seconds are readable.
h=12 m=44
